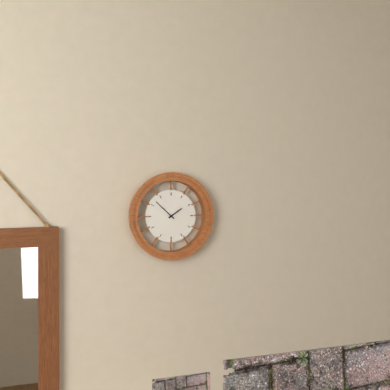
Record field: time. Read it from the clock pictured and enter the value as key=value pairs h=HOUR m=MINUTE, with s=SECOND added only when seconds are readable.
h=1 m=52
